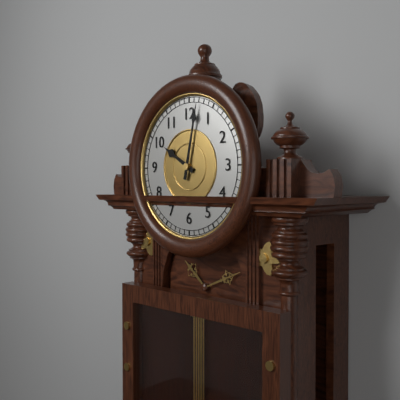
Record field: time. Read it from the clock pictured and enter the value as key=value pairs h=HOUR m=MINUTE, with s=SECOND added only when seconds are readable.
h=10 m=2
